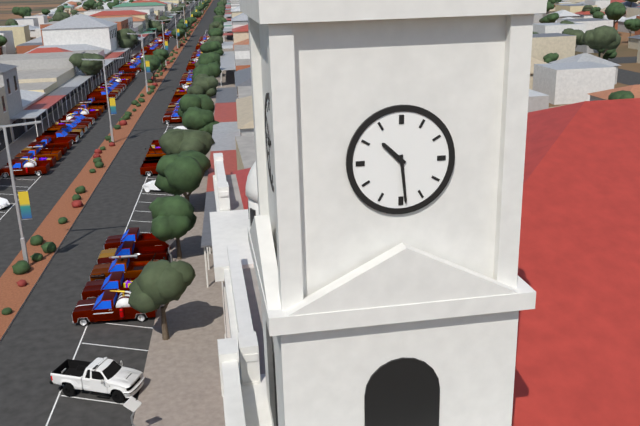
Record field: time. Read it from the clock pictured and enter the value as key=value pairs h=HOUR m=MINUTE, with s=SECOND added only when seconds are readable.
h=10 m=29
